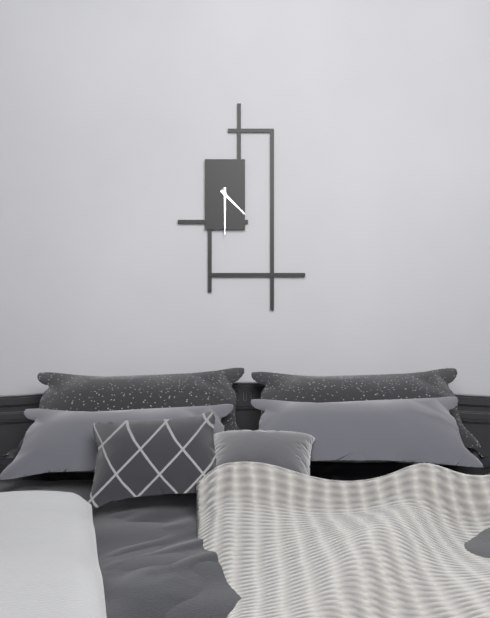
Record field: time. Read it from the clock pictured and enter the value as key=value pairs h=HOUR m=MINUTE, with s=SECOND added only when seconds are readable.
h=4 m=30
